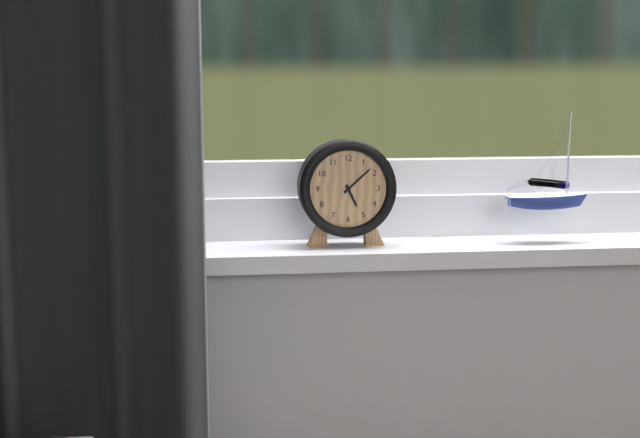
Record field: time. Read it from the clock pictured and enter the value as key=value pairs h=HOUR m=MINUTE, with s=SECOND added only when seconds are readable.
h=5 m=8
